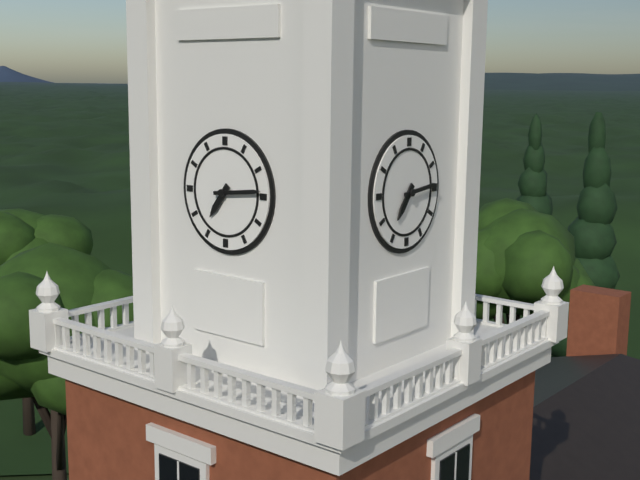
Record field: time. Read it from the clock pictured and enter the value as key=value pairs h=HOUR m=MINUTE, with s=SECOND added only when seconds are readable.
h=7 m=14
